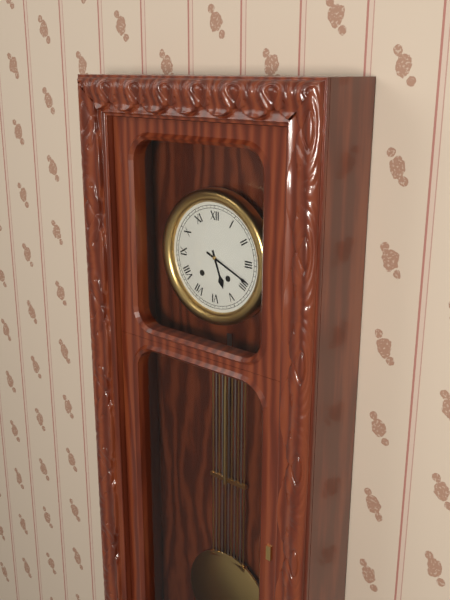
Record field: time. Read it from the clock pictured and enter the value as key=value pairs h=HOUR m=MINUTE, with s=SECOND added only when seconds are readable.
h=5 m=19
